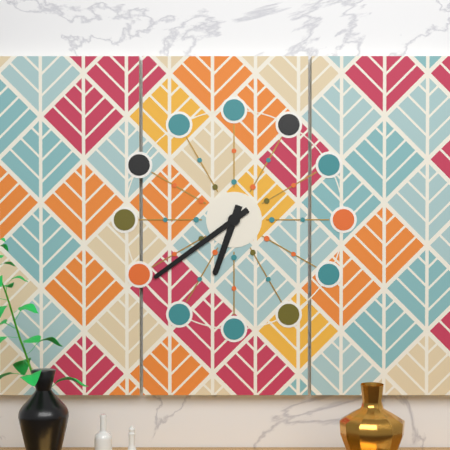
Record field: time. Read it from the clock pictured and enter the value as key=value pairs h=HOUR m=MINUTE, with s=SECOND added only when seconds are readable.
h=6 m=39
